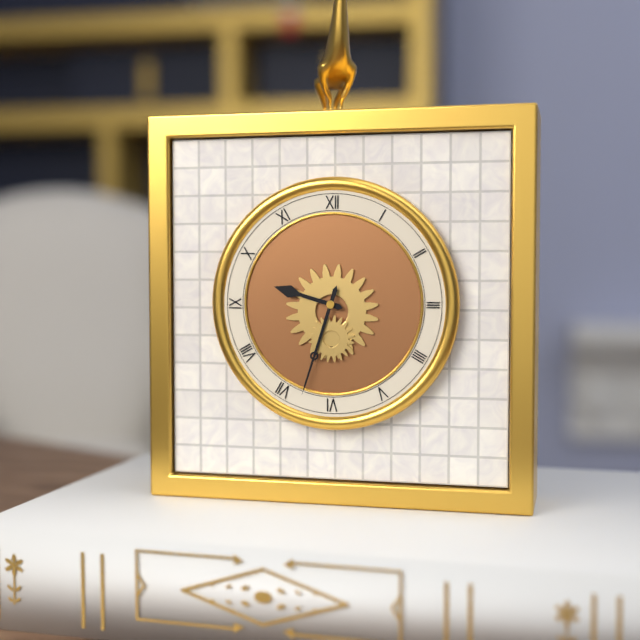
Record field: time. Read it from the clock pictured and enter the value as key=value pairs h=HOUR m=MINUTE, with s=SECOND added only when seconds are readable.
h=9 m=33
